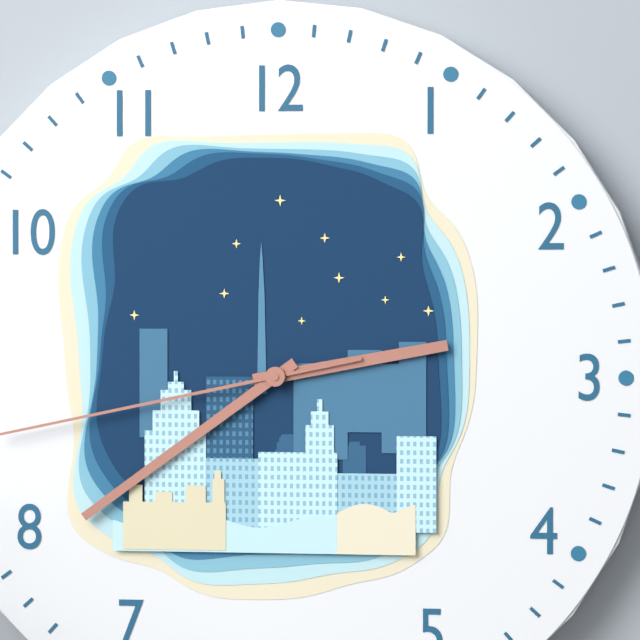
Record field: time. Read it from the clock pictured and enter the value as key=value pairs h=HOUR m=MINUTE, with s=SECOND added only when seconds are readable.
h=2 m=39
